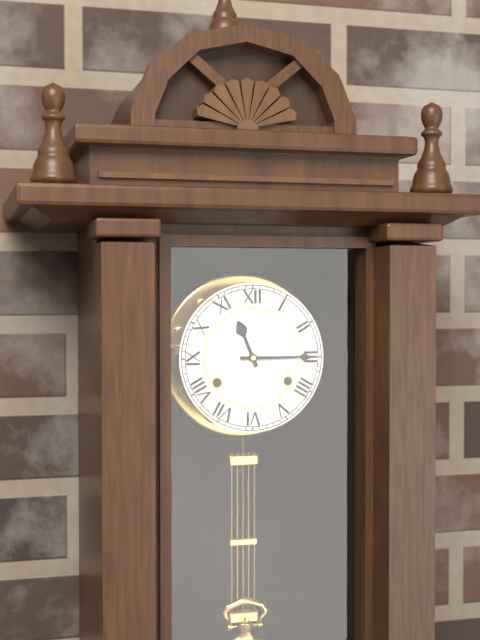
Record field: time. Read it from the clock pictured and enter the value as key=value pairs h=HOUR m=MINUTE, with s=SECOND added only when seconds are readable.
h=11 m=15
